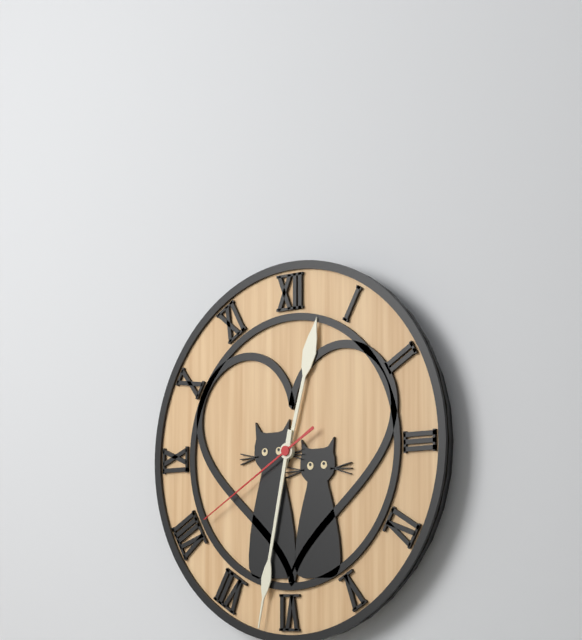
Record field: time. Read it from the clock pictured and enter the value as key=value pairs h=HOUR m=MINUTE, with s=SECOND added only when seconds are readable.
h=12 m=32 s=40
